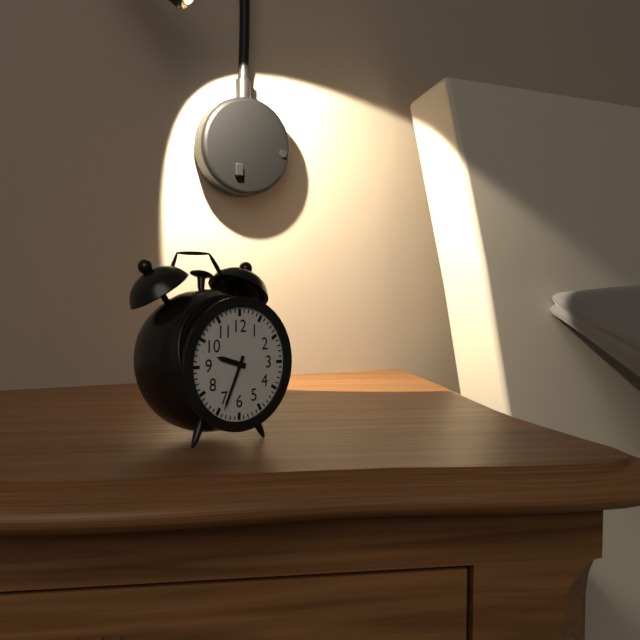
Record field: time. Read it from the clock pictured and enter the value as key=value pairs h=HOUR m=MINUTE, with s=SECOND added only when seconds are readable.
h=9 m=34
